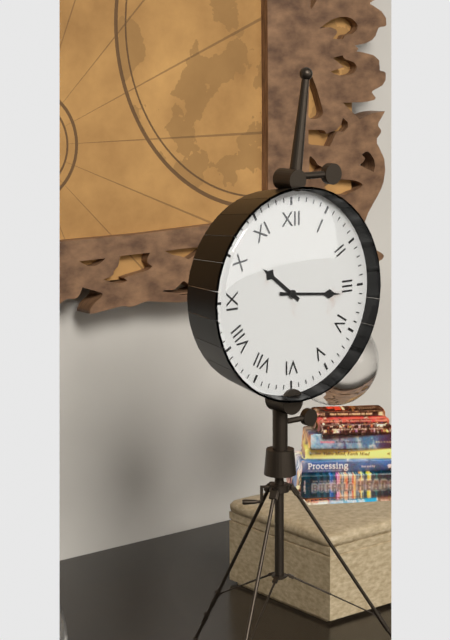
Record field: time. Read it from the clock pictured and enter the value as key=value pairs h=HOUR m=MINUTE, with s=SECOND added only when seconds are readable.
h=10 m=16
